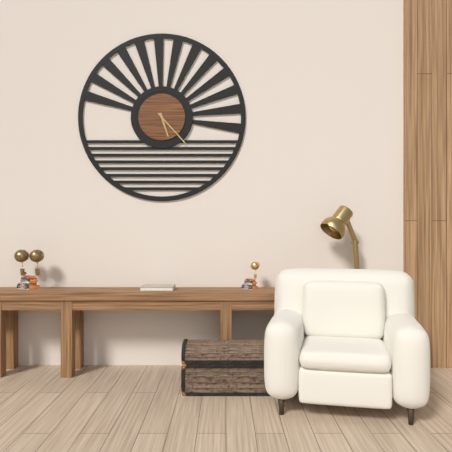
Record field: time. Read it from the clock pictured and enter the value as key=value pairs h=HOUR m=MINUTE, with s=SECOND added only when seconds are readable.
h=5 m=23
